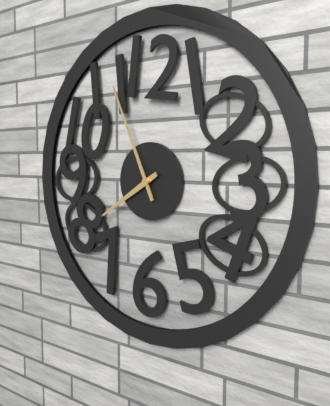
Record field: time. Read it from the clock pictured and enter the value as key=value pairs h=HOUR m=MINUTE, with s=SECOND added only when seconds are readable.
h=7 m=56
